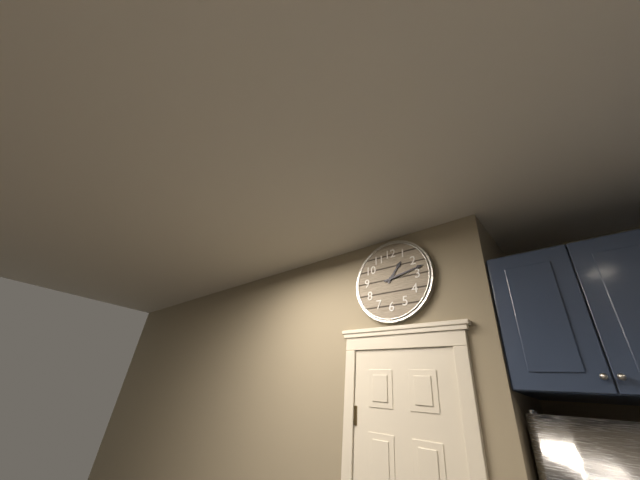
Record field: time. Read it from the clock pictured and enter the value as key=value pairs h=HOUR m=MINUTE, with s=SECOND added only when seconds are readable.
h=1 m=13
